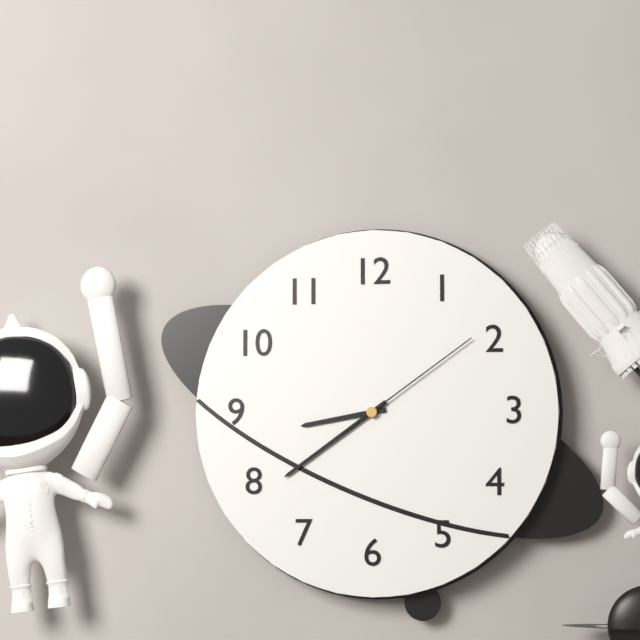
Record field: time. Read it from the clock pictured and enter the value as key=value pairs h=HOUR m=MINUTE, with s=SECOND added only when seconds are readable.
h=8 m=39 s=9
